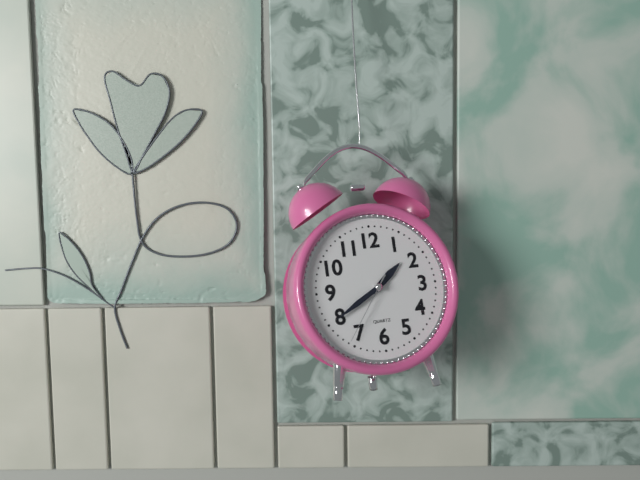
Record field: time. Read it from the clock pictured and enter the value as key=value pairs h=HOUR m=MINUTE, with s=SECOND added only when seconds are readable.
h=1 m=40 s=36
